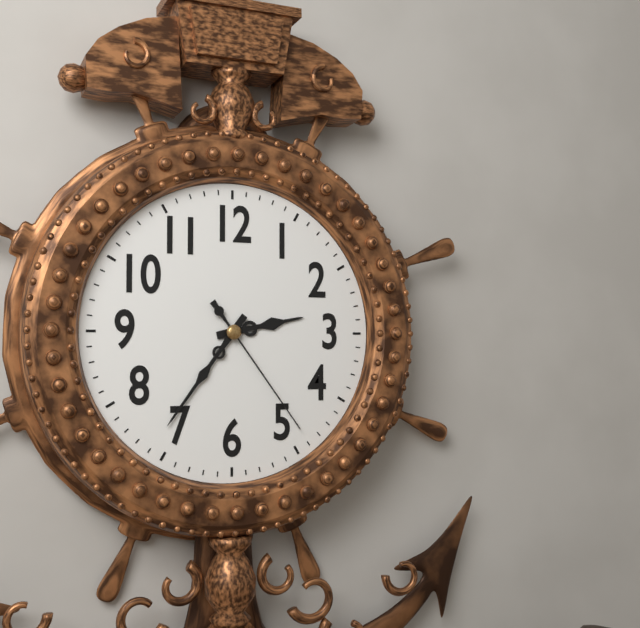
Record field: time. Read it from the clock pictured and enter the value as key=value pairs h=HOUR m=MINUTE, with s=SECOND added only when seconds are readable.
h=2 m=36 s=24
